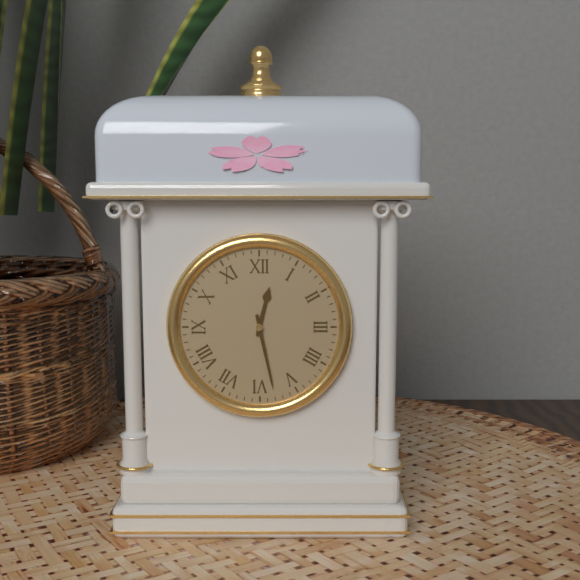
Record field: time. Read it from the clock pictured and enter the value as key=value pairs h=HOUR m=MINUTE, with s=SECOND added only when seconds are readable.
h=12 m=28
